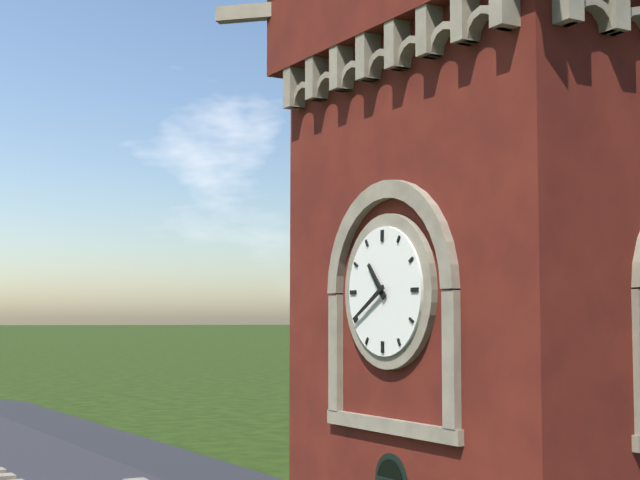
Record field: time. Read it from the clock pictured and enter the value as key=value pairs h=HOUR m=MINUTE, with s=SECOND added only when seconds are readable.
h=10 m=40
